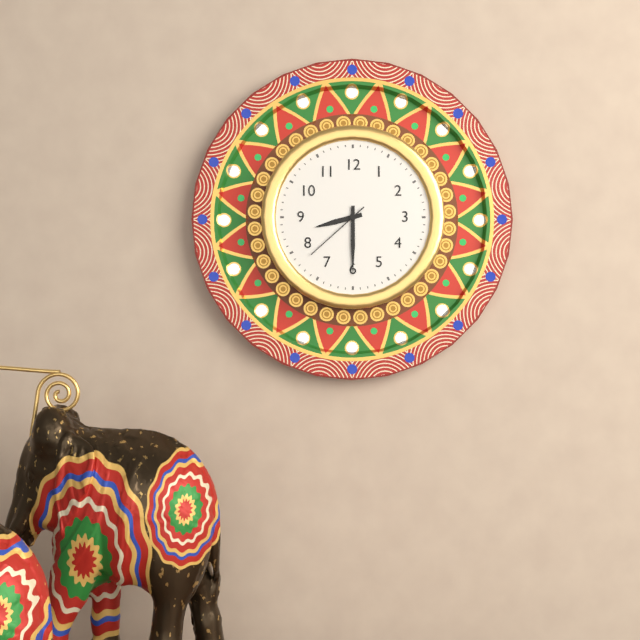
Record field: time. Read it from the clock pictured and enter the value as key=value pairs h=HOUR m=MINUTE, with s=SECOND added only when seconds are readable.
h=8 m=30 s=38
